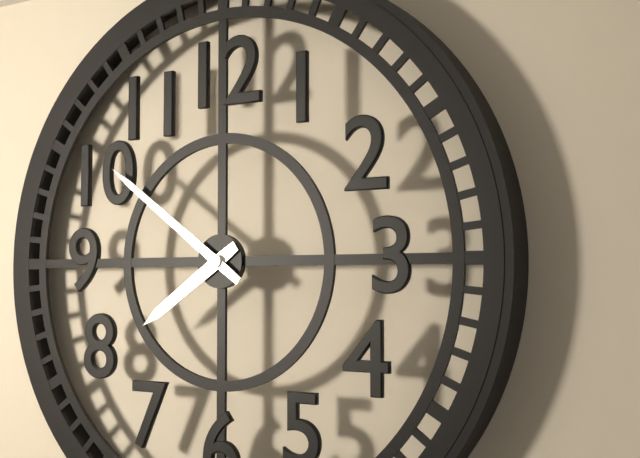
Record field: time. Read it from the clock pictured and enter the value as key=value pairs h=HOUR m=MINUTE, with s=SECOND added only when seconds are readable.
h=7 m=51
